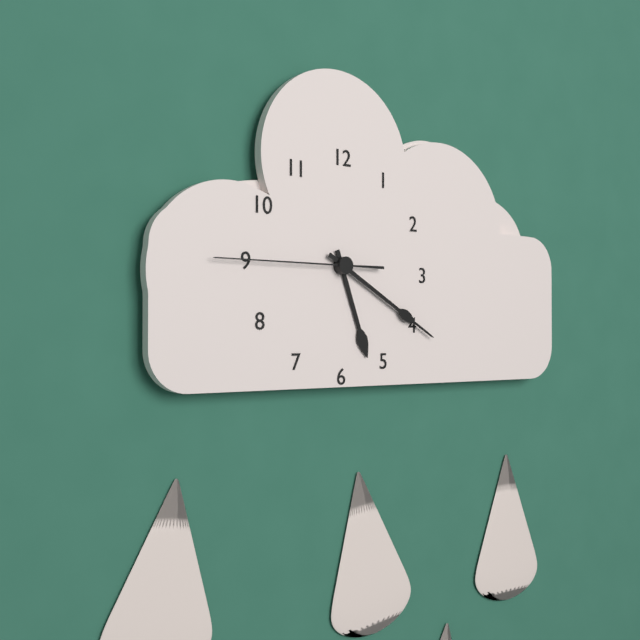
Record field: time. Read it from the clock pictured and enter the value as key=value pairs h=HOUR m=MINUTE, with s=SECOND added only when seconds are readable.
h=5 m=20 s=45
